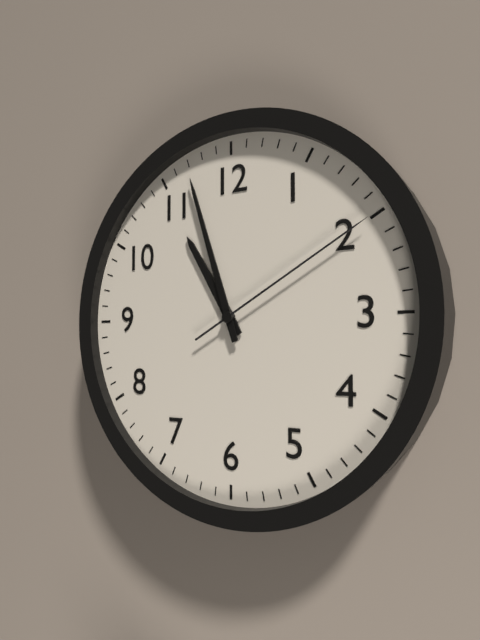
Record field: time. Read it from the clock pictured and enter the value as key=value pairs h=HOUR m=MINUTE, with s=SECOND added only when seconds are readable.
h=10 m=57 s=10
